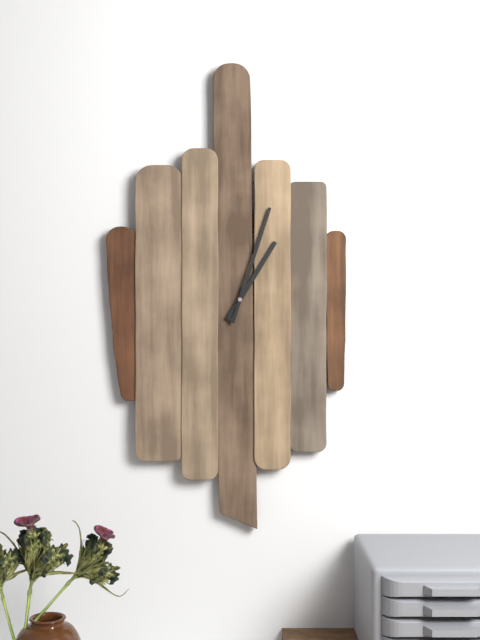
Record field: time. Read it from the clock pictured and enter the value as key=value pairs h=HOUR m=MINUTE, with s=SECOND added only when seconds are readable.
h=1 m=3
